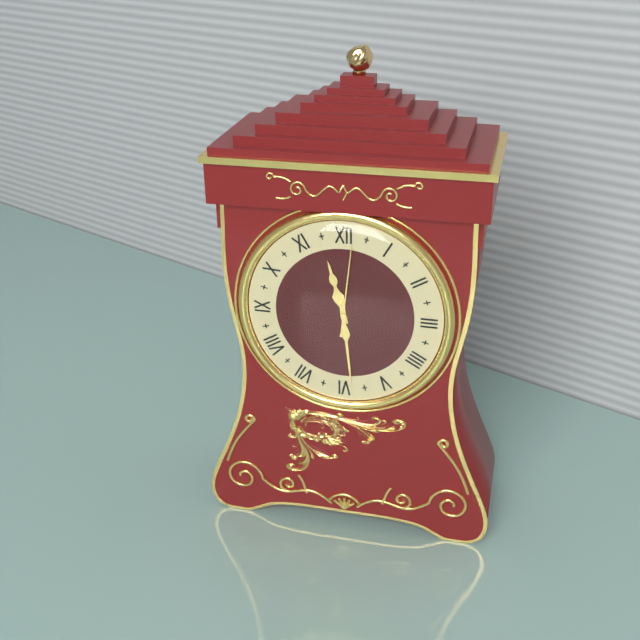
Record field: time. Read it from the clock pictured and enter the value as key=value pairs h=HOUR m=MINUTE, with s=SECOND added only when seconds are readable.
h=11 m=29 s=1
